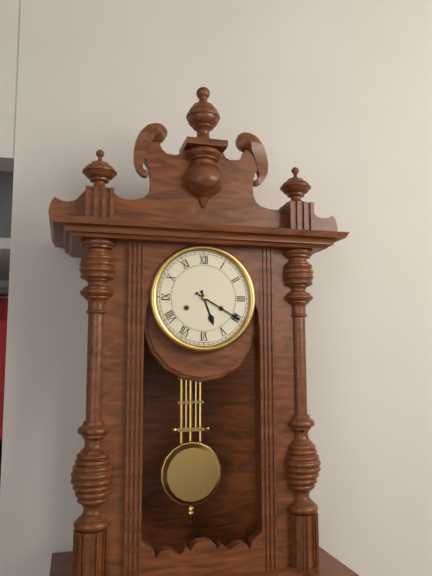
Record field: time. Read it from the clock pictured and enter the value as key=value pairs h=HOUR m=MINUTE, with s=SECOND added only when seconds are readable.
h=5 m=20
